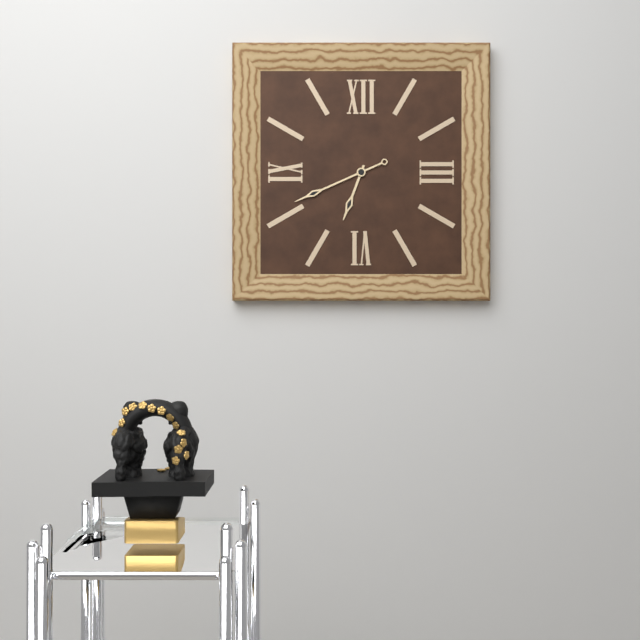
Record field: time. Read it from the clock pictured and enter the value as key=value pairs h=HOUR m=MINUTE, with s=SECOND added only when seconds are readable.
h=6 m=41
